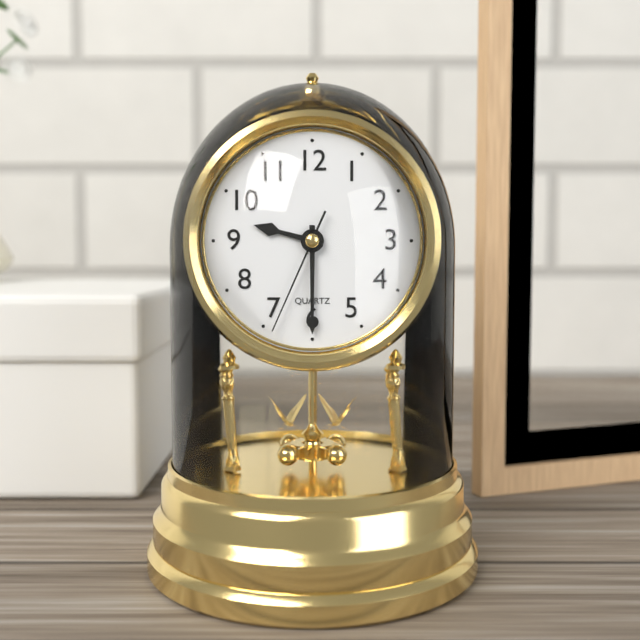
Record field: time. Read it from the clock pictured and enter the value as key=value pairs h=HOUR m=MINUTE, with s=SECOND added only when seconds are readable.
h=9 m=30 s=34
